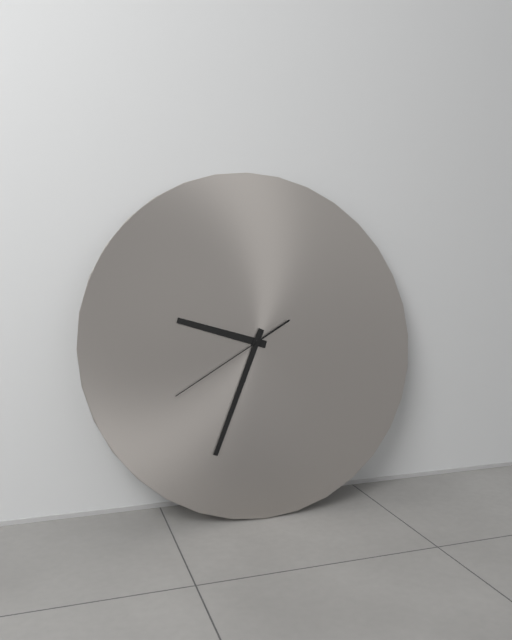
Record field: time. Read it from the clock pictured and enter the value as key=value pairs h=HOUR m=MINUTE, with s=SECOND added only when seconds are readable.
h=9 m=34 s=40
